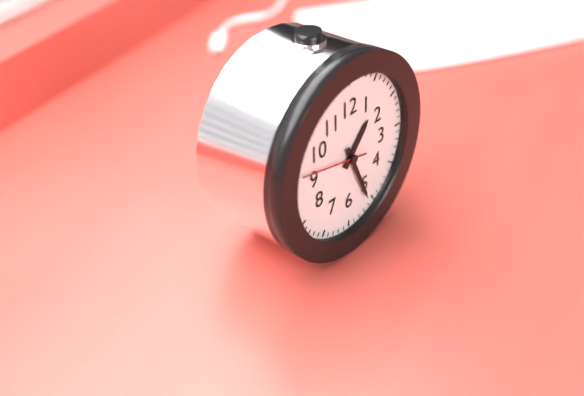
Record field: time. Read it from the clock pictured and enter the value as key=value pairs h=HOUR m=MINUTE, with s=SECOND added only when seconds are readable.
h=1 m=26 s=47
